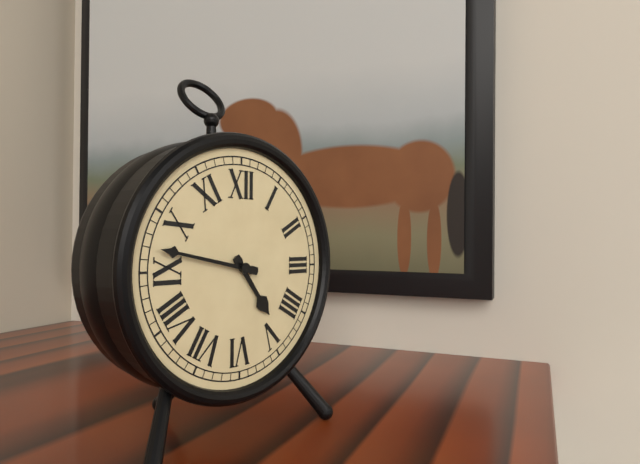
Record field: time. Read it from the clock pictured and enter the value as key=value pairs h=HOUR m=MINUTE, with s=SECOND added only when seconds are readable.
h=4 m=47
